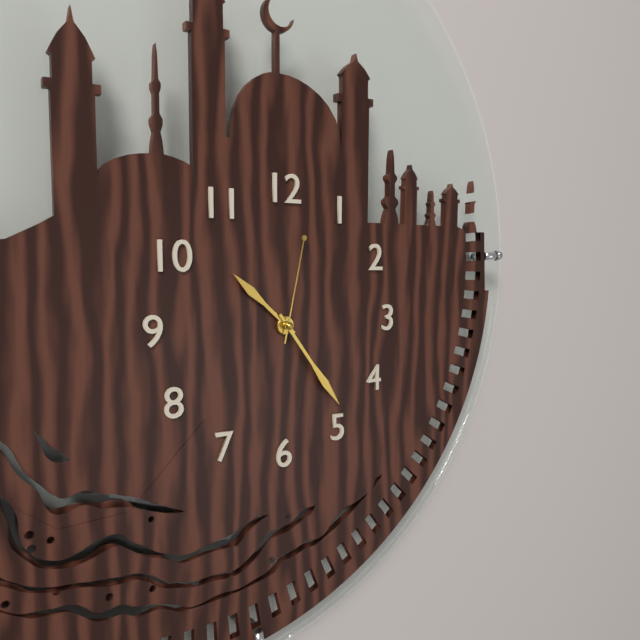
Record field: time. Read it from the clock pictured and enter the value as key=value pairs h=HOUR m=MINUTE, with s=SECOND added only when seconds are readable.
h=10 m=24 s=2
